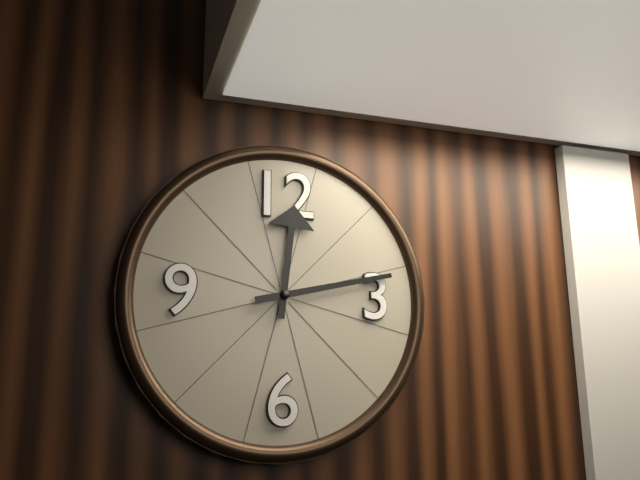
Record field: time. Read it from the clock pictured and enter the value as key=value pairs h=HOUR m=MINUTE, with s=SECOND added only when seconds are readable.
h=12 m=13
